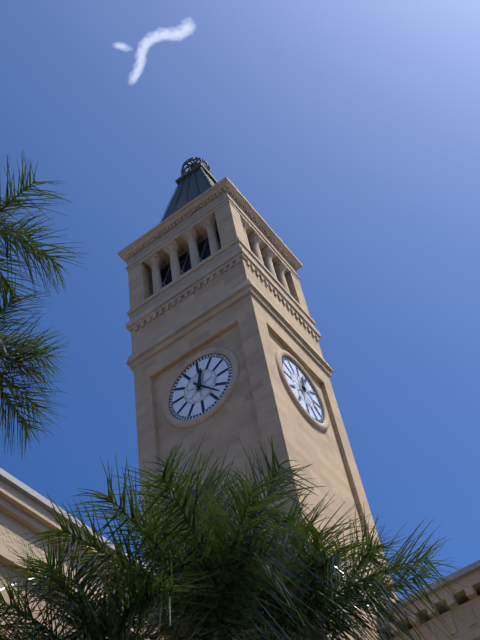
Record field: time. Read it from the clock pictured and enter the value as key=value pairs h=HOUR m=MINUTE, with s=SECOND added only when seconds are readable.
h=12 m=23
